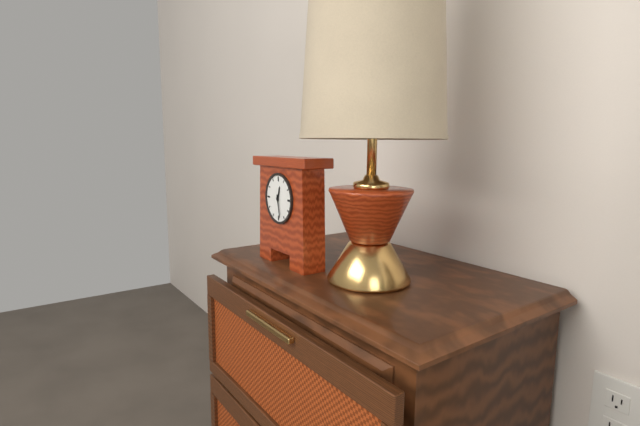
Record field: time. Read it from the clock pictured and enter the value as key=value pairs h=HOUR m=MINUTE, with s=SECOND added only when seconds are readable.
h=12 m=28
